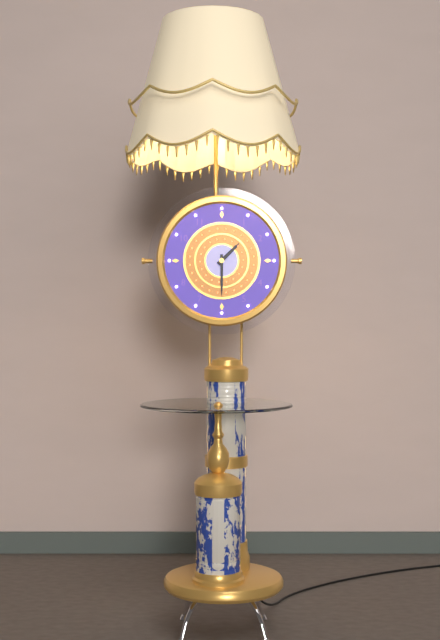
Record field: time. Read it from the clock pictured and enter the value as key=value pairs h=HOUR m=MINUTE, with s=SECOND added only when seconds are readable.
h=1 m=30
